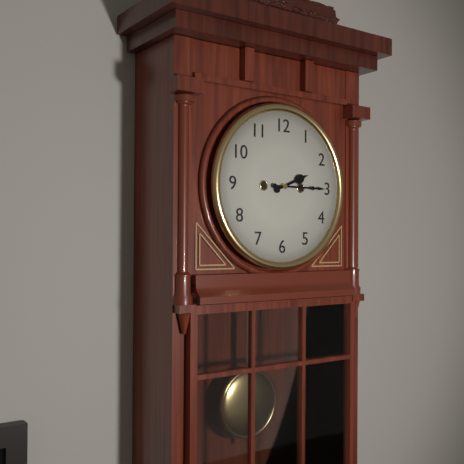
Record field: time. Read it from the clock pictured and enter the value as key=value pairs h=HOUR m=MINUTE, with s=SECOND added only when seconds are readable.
h=2 m=15
